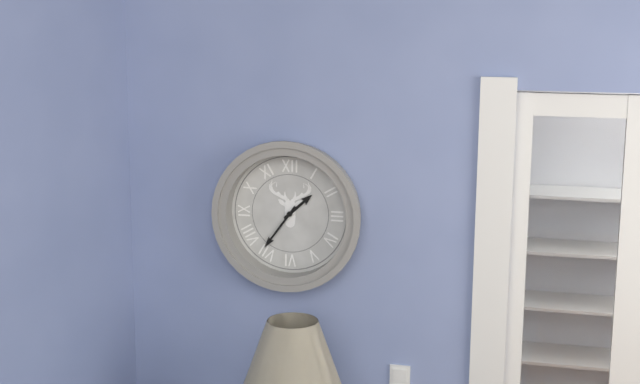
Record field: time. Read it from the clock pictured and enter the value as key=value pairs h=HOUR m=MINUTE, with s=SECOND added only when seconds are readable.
h=1 m=36
